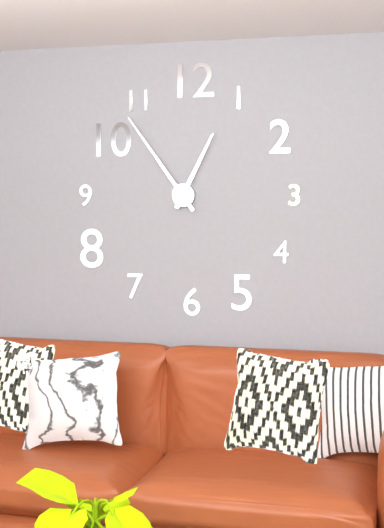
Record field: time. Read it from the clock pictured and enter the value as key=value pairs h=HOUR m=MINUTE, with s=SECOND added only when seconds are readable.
h=12 m=54
